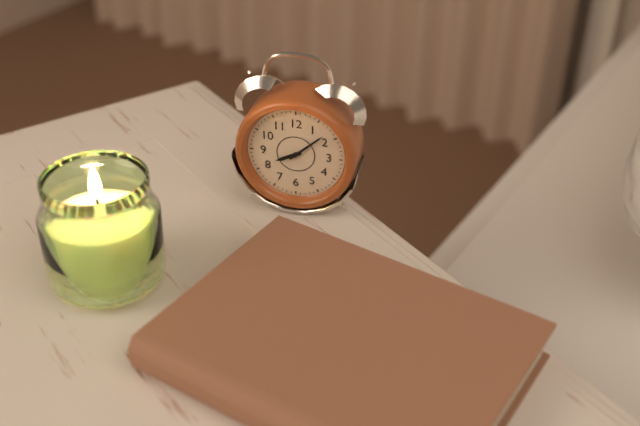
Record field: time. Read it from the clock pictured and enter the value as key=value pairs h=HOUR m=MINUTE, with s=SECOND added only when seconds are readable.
h=8 m=8
